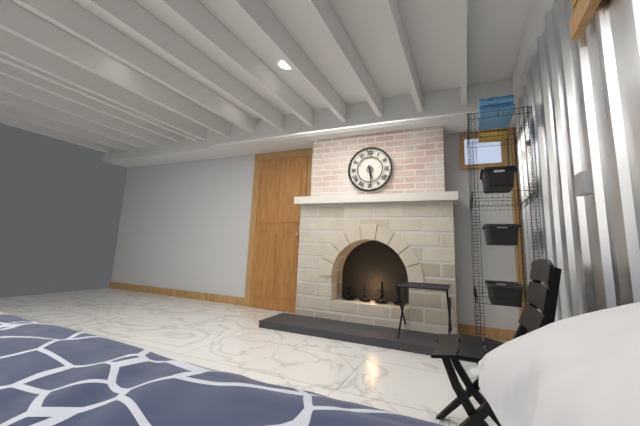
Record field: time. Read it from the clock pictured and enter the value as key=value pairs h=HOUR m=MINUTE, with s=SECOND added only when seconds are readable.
h=5 m=29
